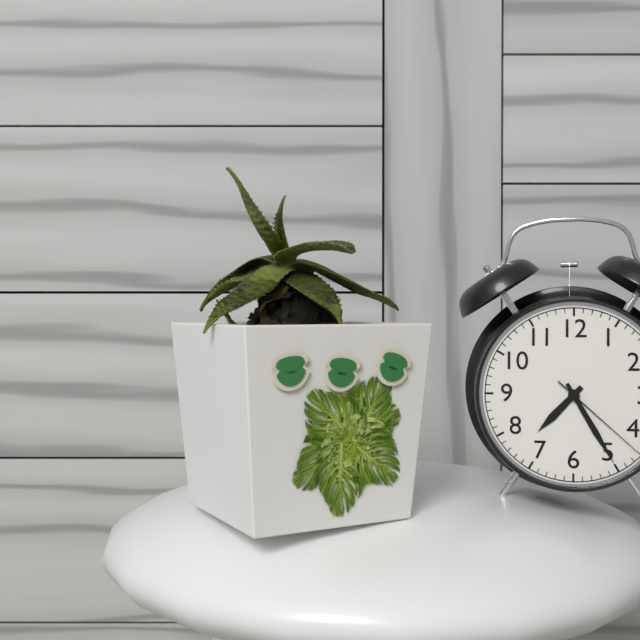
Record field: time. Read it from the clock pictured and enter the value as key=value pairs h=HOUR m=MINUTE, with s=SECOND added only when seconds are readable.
h=7 m=25 s=22
